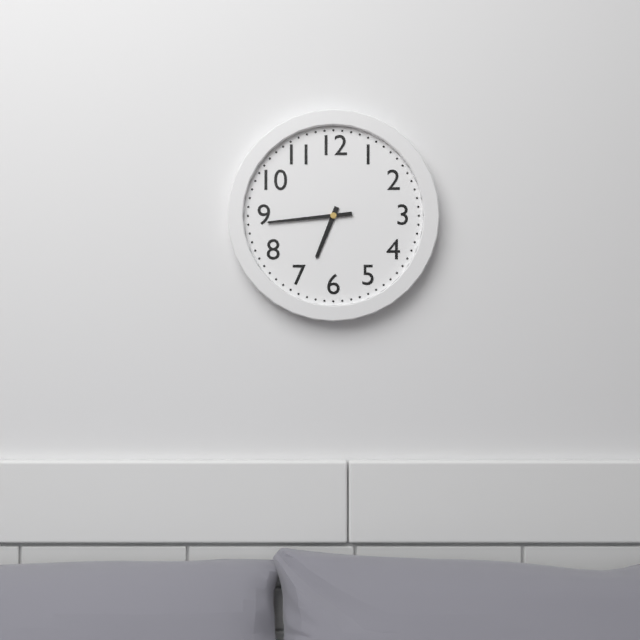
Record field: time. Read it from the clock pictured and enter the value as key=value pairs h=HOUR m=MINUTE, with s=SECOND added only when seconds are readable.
h=6 m=44
